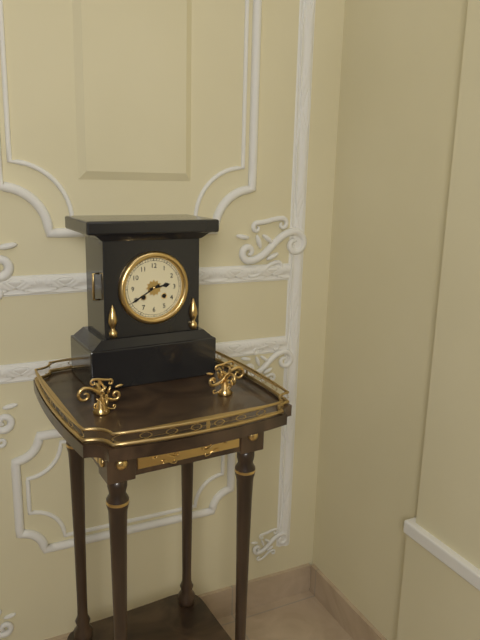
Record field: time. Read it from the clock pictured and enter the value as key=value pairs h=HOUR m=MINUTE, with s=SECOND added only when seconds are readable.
h=2 m=40
